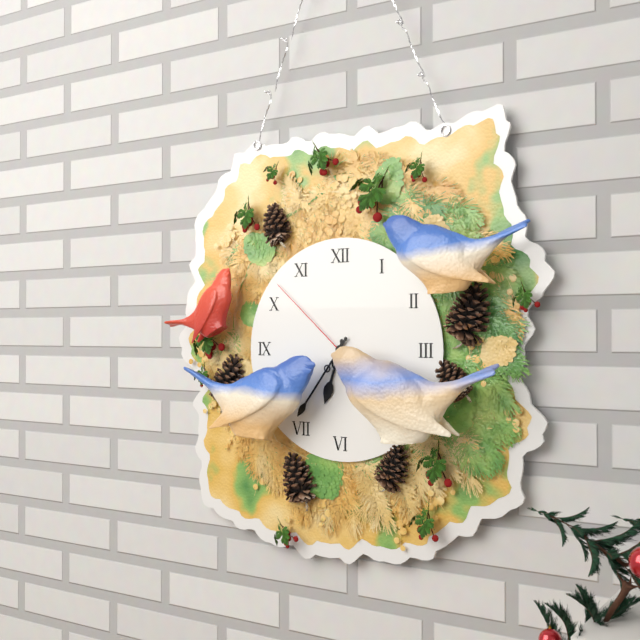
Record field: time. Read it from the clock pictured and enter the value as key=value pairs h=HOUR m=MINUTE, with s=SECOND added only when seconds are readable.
h=6 m=36 s=52
